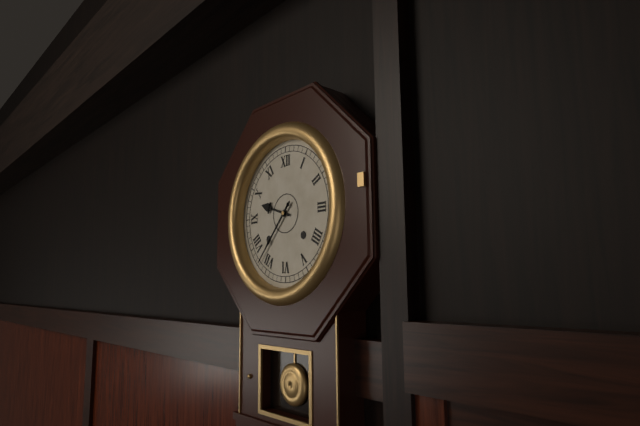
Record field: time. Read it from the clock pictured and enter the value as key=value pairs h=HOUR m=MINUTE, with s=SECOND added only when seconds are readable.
h=9 m=37
